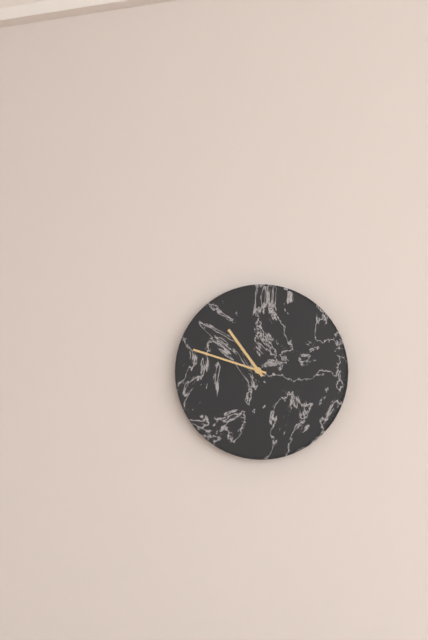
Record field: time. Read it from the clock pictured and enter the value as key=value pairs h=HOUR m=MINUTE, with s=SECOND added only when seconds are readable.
h=10 m=48
